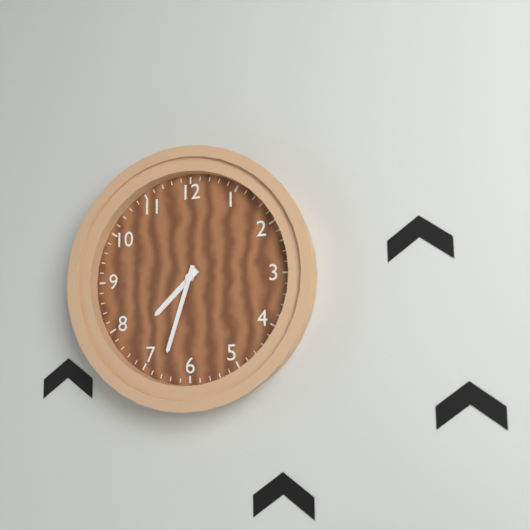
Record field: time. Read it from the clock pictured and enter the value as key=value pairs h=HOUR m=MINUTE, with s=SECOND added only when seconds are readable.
h=7 m=33
